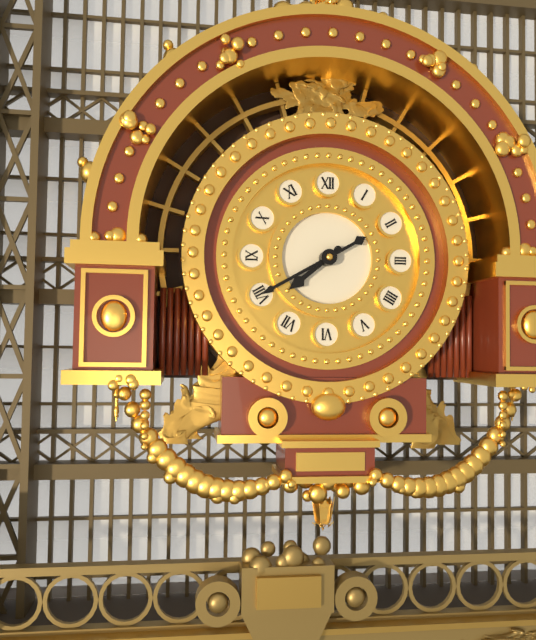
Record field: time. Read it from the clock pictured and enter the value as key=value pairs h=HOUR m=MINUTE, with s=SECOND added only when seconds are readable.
h=7 m=40
